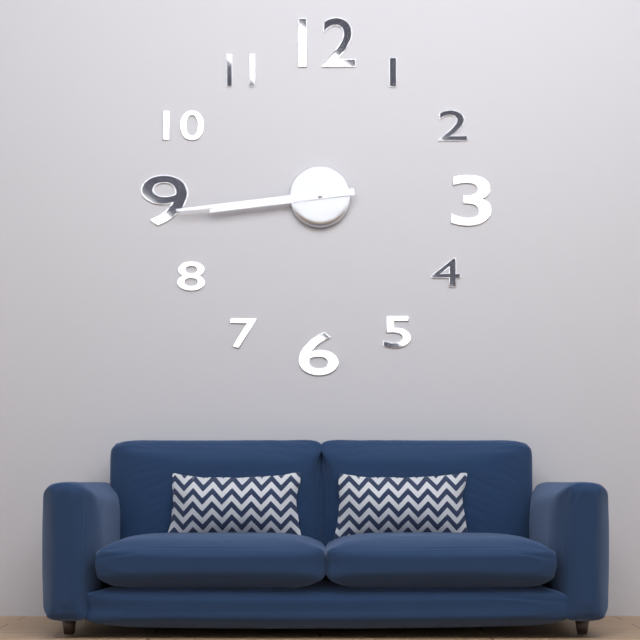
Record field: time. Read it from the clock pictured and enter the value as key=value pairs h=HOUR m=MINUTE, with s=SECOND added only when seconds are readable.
h=8 m=44
